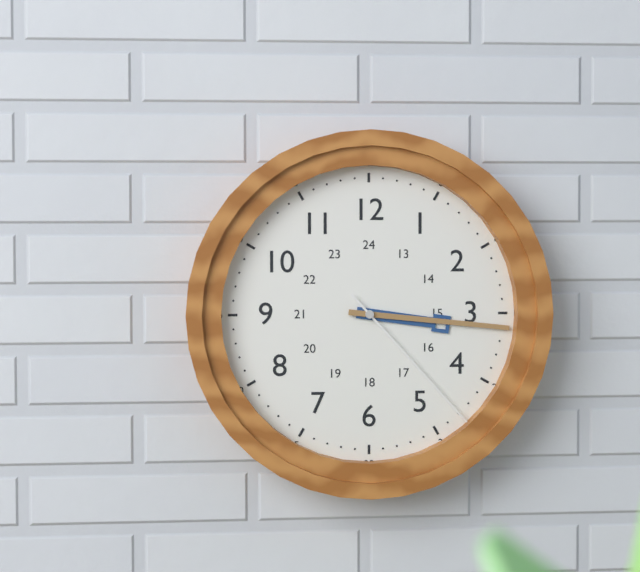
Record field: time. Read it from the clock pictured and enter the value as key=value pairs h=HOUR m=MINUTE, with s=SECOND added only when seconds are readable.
h=3 m=16 s=23
